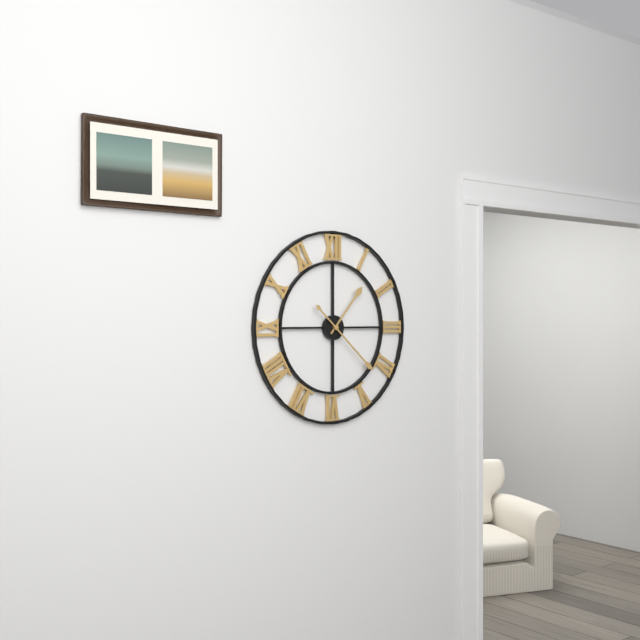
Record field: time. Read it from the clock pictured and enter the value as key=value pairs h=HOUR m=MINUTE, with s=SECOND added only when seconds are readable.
h=1 m=22
